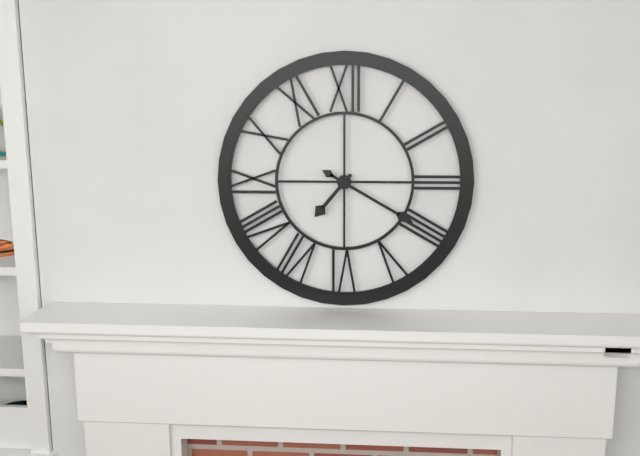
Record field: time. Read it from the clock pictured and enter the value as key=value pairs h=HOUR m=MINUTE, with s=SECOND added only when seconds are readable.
h=7 m=20
